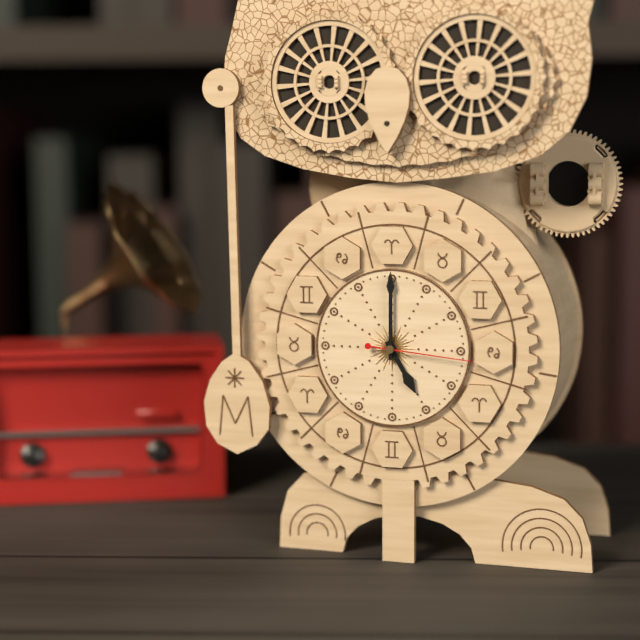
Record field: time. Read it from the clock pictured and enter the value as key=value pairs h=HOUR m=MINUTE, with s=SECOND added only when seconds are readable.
h=5 m=0 s=16
